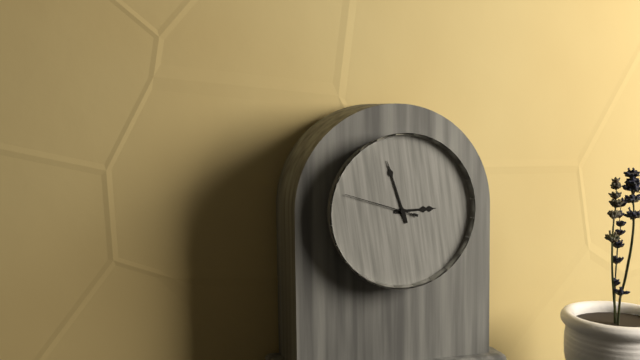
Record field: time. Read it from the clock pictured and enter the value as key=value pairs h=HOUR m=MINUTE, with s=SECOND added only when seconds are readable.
h=2 m=57 s=48
